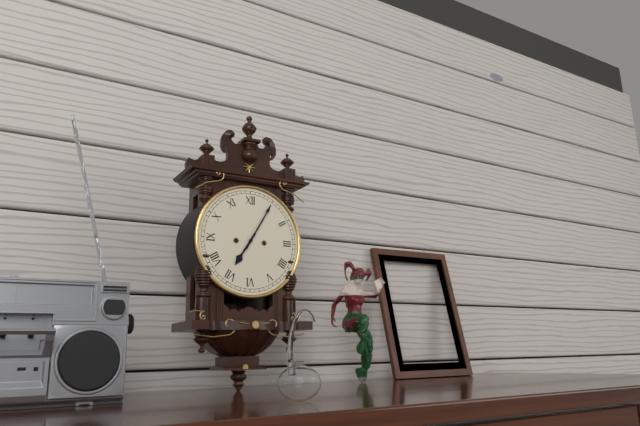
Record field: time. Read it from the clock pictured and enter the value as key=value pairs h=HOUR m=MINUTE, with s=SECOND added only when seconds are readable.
h=7 m=5
